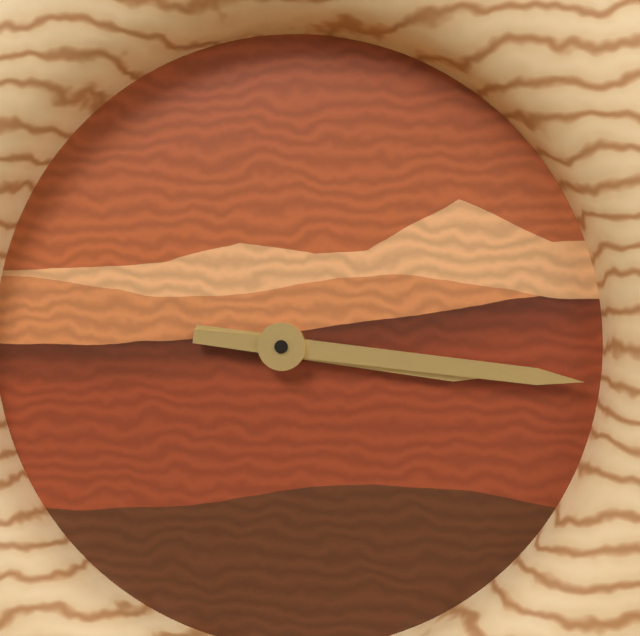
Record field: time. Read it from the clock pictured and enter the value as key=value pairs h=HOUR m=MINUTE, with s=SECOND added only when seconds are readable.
h=3 m=16
